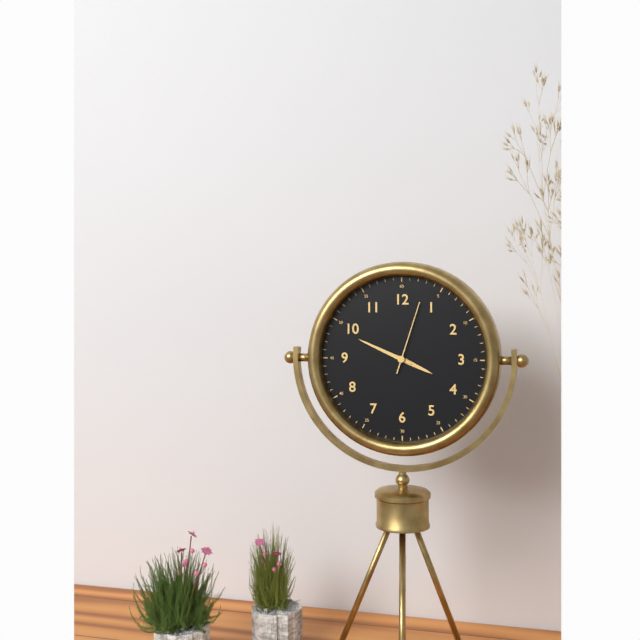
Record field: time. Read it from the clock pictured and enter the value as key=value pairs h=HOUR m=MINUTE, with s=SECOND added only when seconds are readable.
h=3 m=49 s=3
